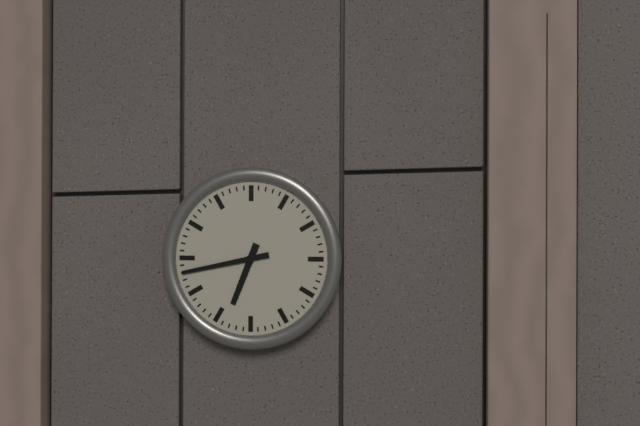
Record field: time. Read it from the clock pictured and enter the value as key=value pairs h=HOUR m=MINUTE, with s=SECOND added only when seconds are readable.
h=6 m=43
